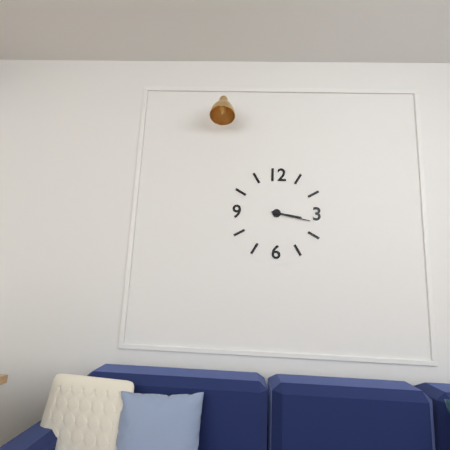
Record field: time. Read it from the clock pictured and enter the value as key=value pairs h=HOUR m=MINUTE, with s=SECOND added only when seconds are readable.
h=3 m=17
